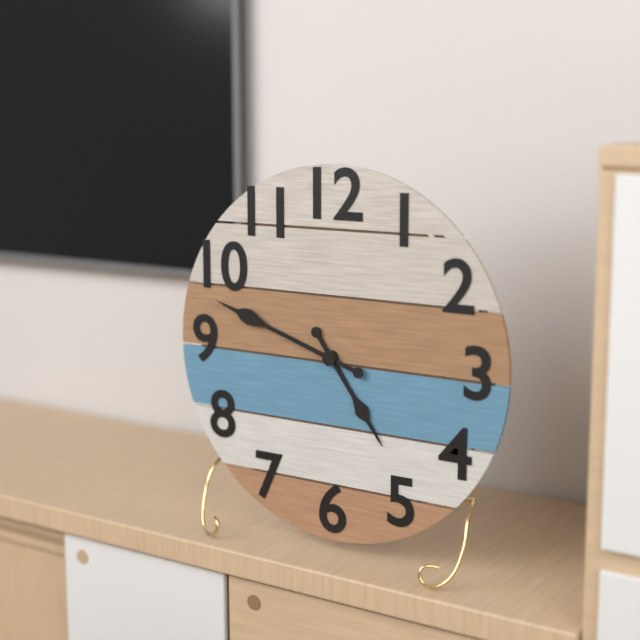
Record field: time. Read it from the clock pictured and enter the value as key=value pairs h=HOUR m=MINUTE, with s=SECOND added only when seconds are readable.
h=4 m=48
